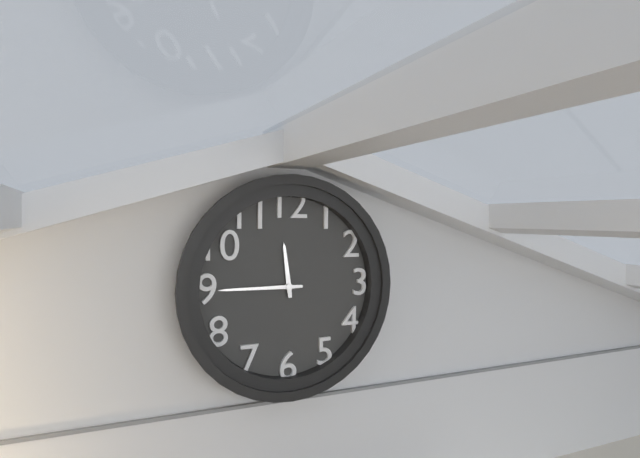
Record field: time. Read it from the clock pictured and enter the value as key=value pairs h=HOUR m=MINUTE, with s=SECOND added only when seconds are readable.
h=11 m=45
